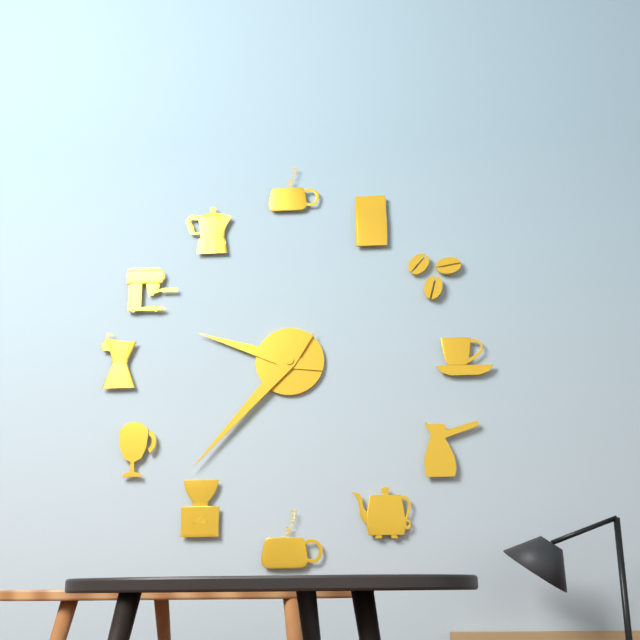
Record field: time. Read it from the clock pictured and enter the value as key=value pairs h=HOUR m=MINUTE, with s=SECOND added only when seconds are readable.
h=9 m=37
